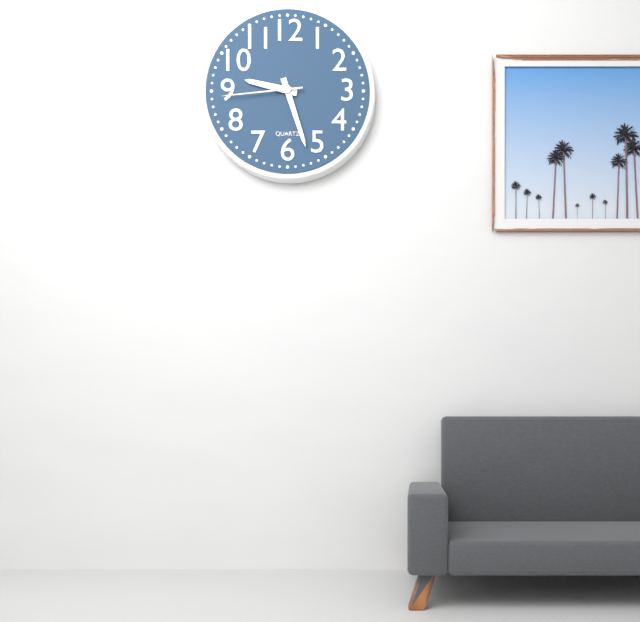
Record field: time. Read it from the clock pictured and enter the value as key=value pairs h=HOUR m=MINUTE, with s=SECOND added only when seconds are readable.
h=9 m=27 s=44
